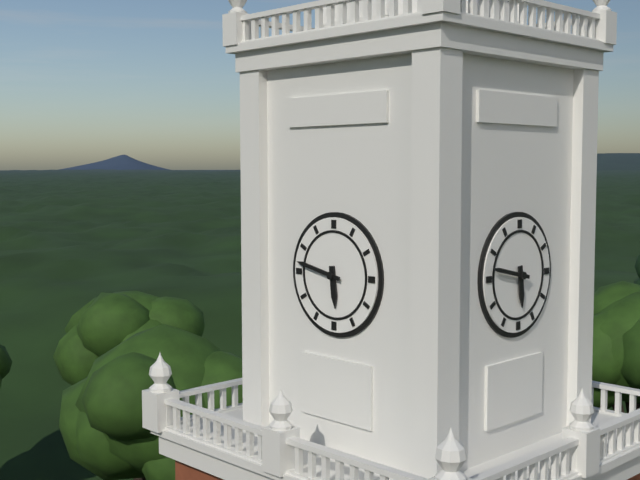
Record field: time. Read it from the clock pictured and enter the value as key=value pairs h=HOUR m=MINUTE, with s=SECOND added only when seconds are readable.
h=5 m=47
